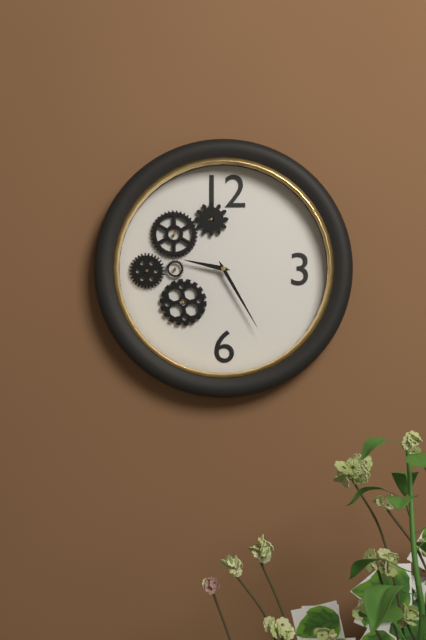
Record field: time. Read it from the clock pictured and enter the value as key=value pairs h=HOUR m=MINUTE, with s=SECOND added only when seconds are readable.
h=9 m=25
